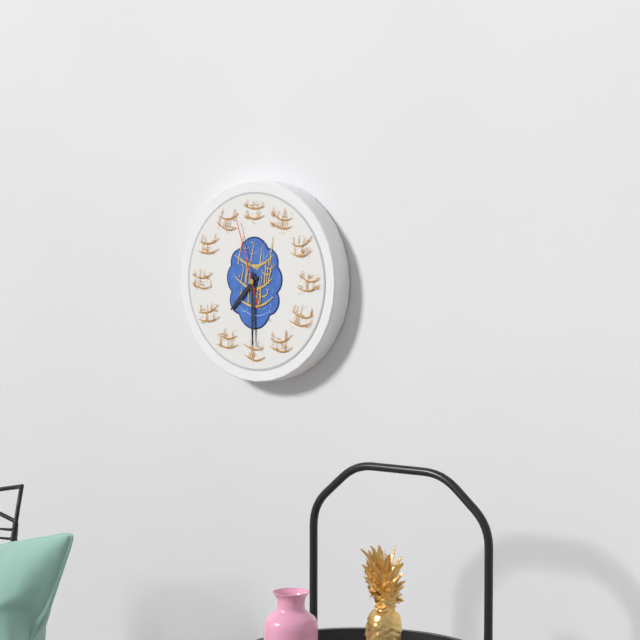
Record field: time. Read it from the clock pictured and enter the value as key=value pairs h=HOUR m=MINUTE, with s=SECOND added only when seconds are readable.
h=7 m=30 s=57
